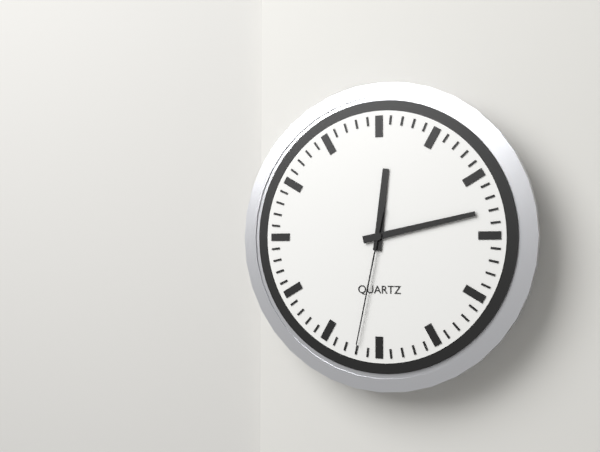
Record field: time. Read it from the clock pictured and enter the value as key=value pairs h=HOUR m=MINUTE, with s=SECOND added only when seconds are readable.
h=12 m=13 s=32
